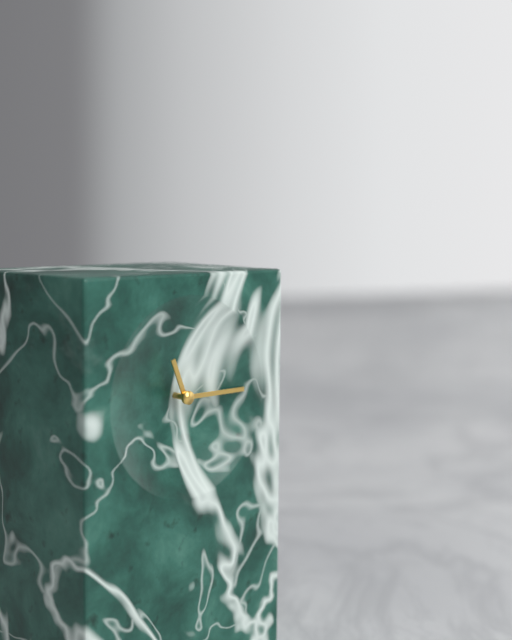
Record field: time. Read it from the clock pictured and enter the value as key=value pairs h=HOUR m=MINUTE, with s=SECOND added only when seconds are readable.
h=11 m=15
